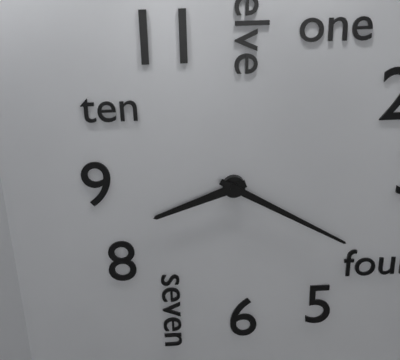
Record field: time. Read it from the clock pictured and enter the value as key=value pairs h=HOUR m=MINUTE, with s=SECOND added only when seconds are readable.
h=8 m=20
